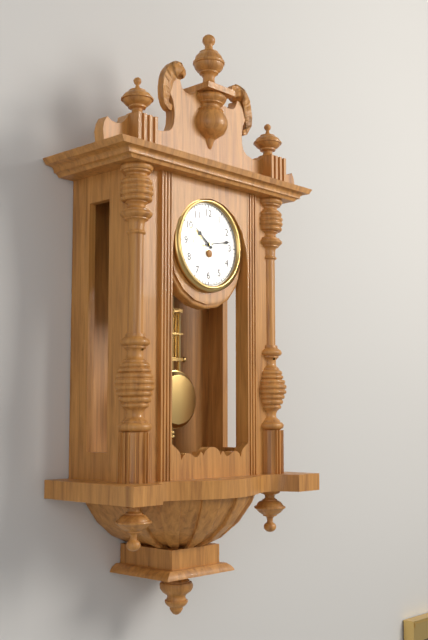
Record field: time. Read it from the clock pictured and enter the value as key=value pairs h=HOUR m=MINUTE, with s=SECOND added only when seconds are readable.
h=10 m=13
